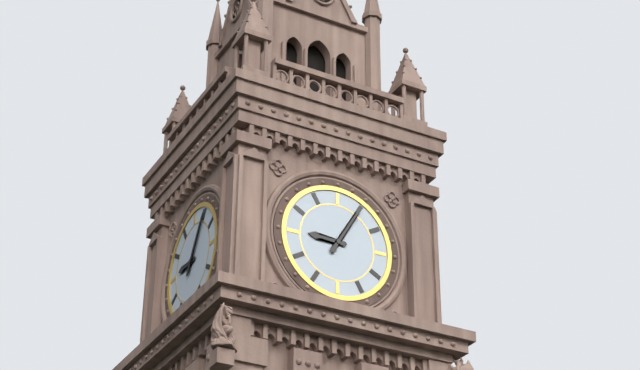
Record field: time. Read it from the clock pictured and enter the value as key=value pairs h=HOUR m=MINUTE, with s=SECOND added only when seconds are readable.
h=9 m=5
